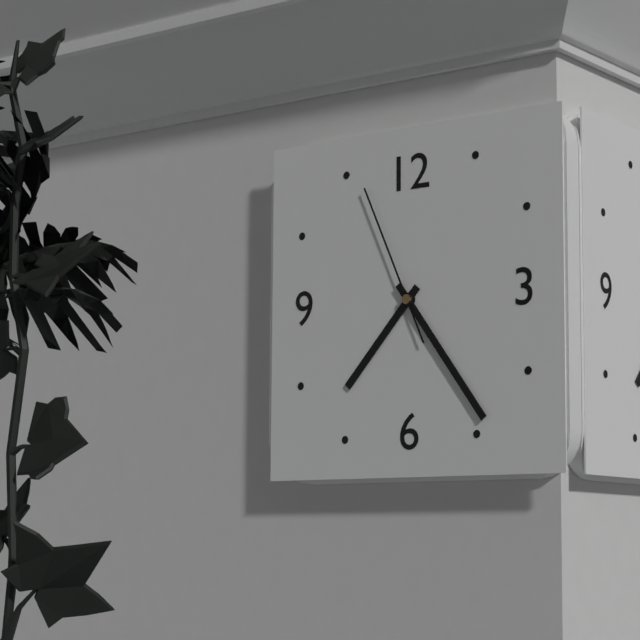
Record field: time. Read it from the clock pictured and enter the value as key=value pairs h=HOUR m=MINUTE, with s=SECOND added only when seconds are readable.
h=7 m=24 s=56
